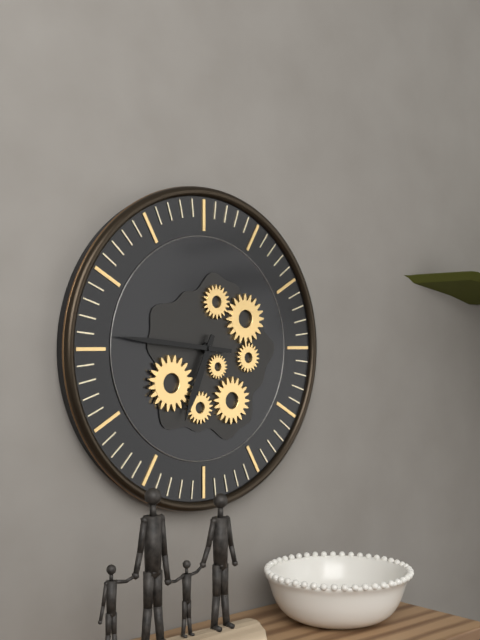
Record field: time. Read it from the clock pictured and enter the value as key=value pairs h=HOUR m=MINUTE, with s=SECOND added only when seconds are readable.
h=6 m=46
